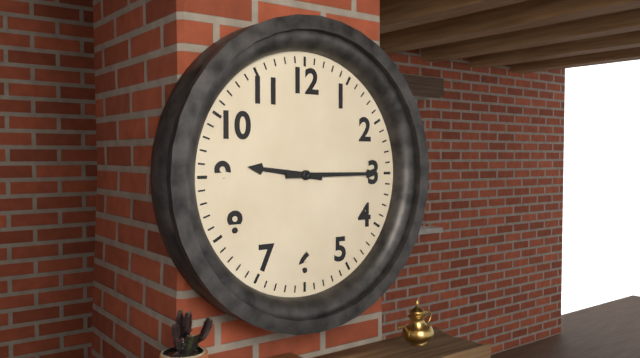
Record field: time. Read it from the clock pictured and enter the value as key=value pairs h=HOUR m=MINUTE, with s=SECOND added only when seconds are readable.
h=9 m=15
